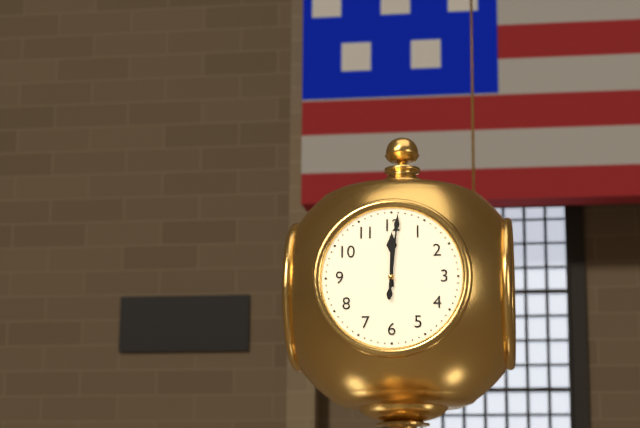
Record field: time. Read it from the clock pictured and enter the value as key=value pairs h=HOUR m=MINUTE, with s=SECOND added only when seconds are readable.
h=12 m=1
